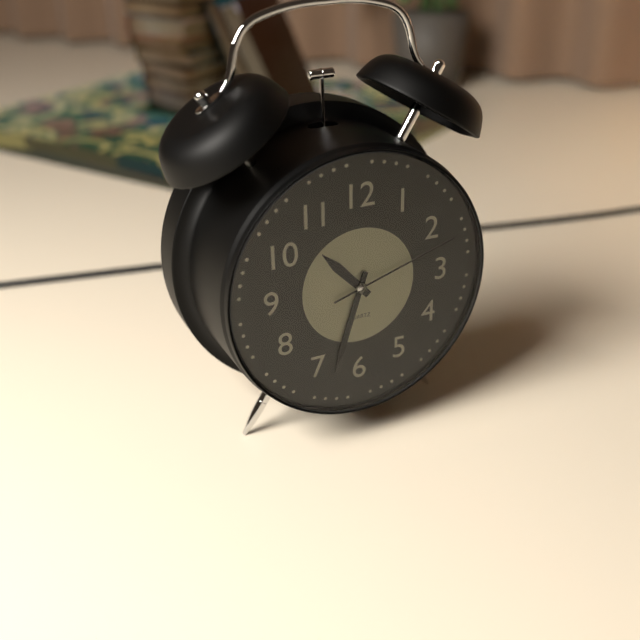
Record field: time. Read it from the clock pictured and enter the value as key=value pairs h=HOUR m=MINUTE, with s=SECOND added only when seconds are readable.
h=10 m=33 s=12
